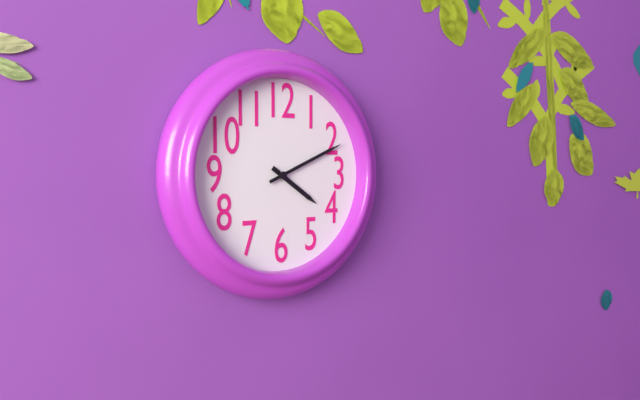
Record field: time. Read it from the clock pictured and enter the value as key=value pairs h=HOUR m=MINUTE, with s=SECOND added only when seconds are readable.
h=4 m=11
